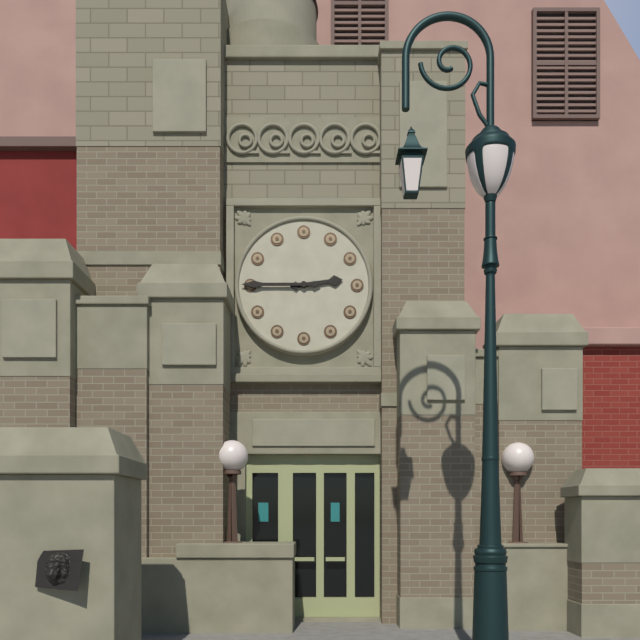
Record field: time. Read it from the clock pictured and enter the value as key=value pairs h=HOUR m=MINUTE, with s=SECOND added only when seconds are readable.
h=2 m=45
